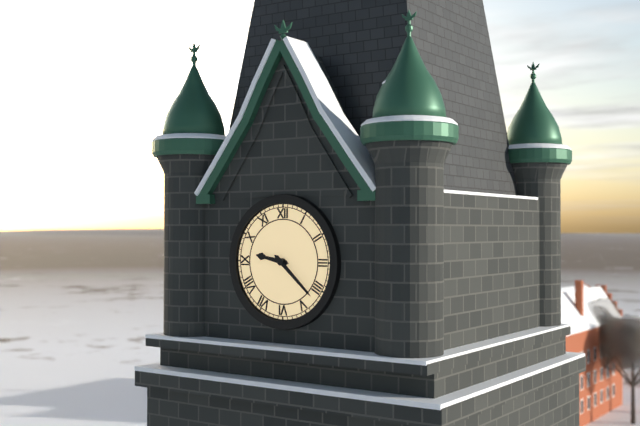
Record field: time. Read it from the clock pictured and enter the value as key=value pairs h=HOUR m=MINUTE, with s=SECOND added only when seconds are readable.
h=9 m=22
